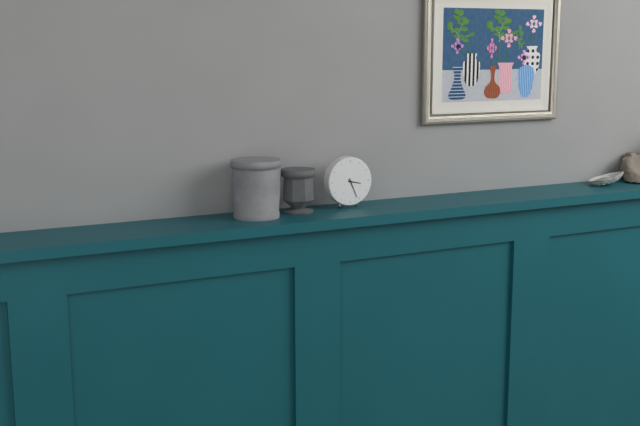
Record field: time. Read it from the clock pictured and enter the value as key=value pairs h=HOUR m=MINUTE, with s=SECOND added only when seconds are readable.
h=3 m=26
